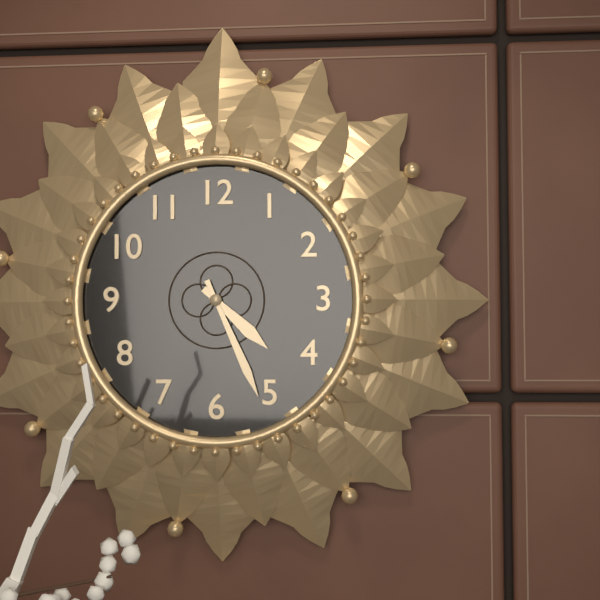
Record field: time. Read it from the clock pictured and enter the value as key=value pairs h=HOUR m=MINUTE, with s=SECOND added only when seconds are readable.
h=4 m=26
